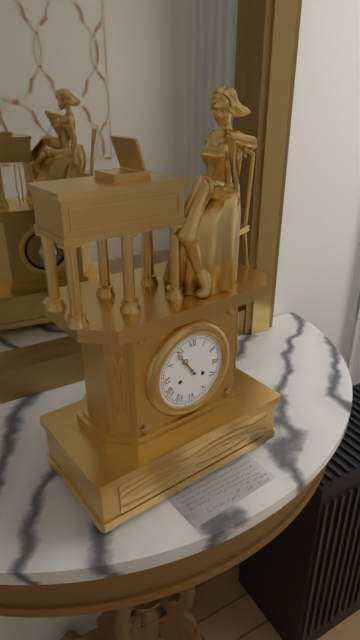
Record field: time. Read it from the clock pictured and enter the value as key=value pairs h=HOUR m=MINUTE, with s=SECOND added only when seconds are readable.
h=10 m=54
